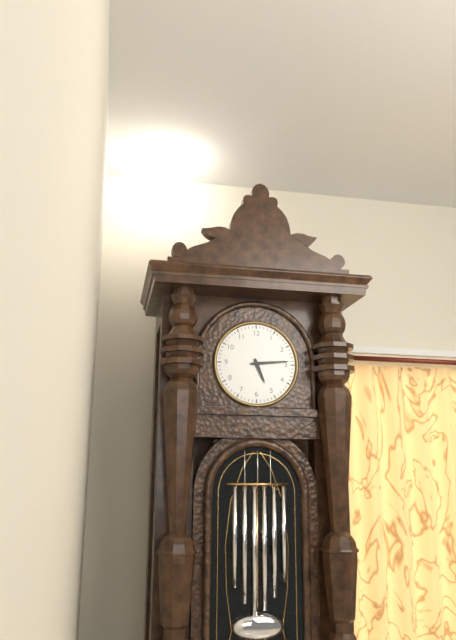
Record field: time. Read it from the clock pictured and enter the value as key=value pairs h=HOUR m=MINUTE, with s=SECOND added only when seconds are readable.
h=5 m=14
